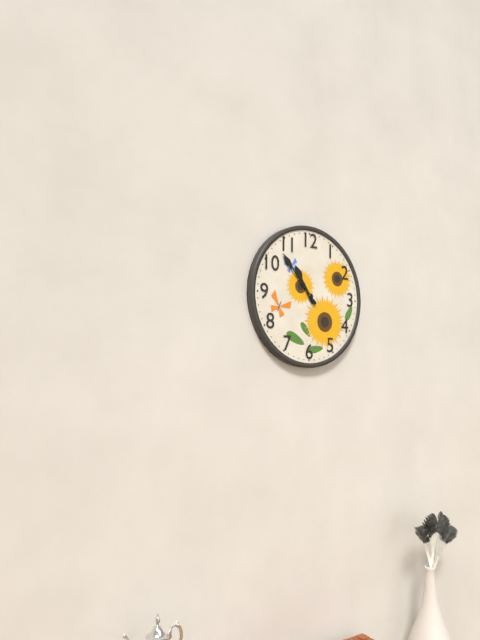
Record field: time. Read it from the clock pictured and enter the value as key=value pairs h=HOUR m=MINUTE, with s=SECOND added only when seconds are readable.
h=10 m=53
